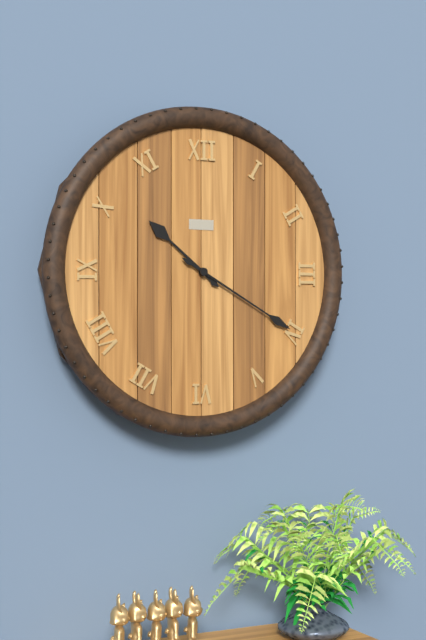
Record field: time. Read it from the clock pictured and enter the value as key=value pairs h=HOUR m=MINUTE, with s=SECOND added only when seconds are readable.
h=10 m=20
